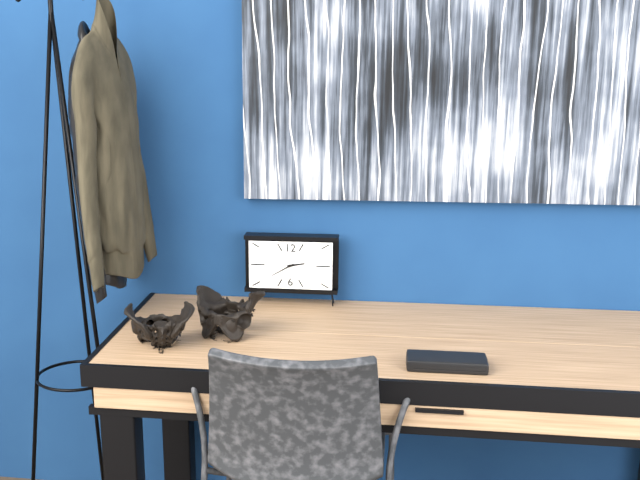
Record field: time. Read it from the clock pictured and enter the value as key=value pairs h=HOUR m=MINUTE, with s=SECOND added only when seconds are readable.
h=2 m=40
